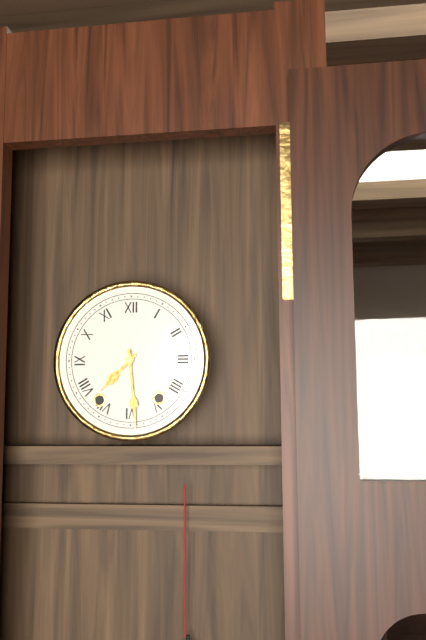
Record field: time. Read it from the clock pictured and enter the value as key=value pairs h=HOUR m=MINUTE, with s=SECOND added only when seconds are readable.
h=7 m=29
